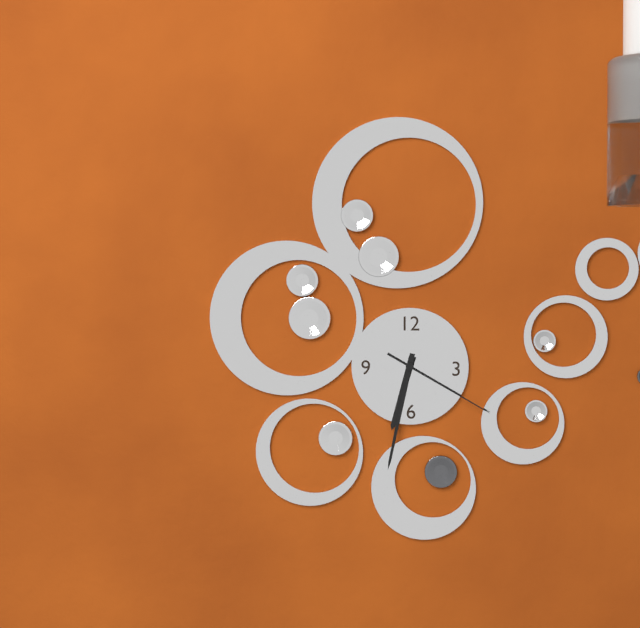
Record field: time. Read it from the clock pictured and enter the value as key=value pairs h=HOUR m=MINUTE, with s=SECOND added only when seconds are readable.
h=6 m=32 s=20
